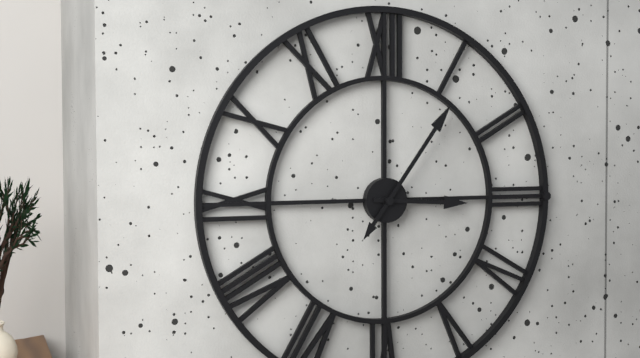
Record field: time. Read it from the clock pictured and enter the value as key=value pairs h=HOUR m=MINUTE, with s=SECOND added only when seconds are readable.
h=3 m=6
